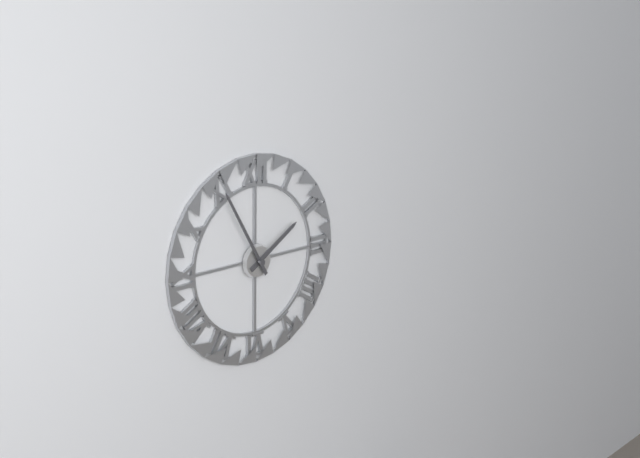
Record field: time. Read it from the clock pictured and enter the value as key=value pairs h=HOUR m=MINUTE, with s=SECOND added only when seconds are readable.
h=1 m=55
